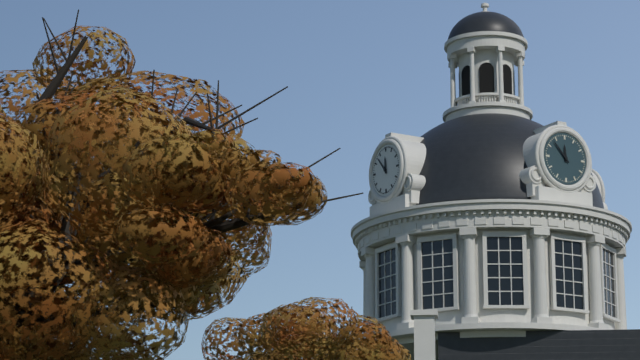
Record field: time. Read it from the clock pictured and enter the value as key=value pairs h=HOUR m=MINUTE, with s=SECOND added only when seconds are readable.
h=11 m=53
